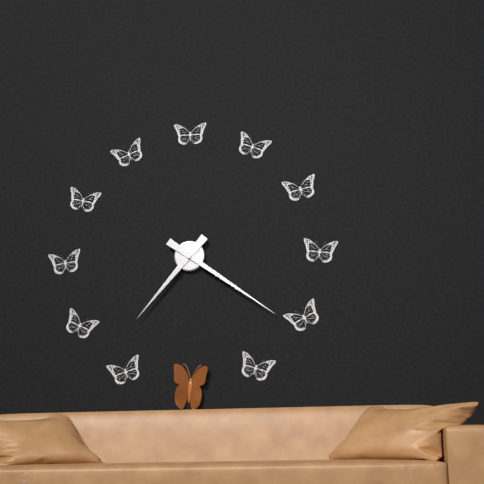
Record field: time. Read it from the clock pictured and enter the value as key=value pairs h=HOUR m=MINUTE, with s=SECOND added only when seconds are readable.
h=7 m=21
